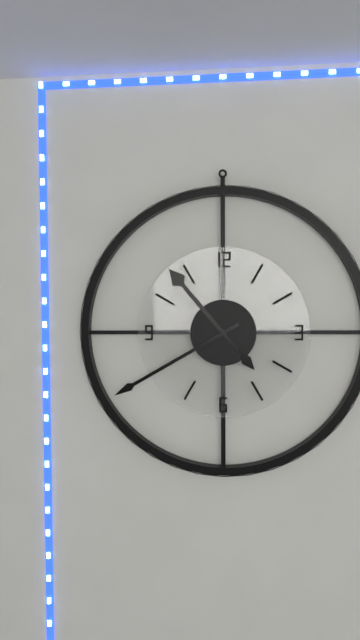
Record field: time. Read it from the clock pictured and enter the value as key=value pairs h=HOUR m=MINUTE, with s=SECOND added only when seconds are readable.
h=10 m=40
